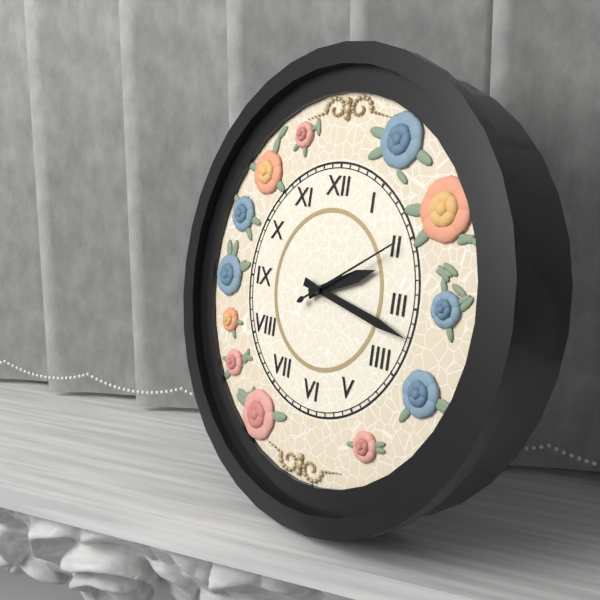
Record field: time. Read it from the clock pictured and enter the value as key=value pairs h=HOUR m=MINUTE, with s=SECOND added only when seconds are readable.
h=2 m=17 s=10
